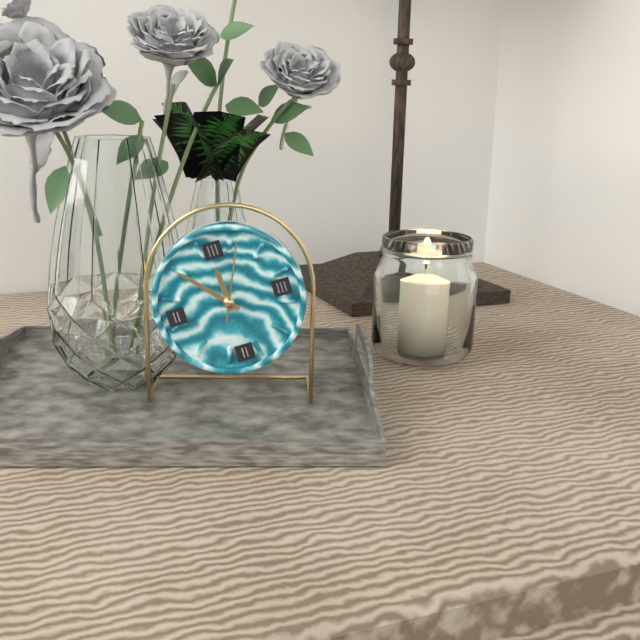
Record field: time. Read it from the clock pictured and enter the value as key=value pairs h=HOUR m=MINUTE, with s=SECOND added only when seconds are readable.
h=11 m=53 s=4
